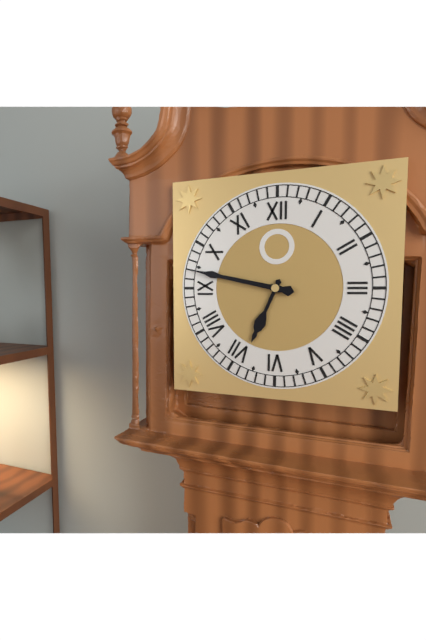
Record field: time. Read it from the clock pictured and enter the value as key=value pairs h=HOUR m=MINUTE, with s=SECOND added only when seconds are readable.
h=6 m=47
